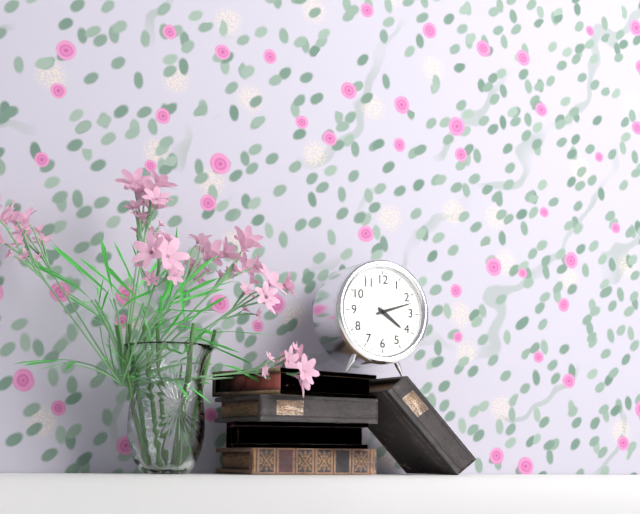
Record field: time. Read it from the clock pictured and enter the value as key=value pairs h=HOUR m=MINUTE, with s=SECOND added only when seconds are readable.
h=4 m=12
